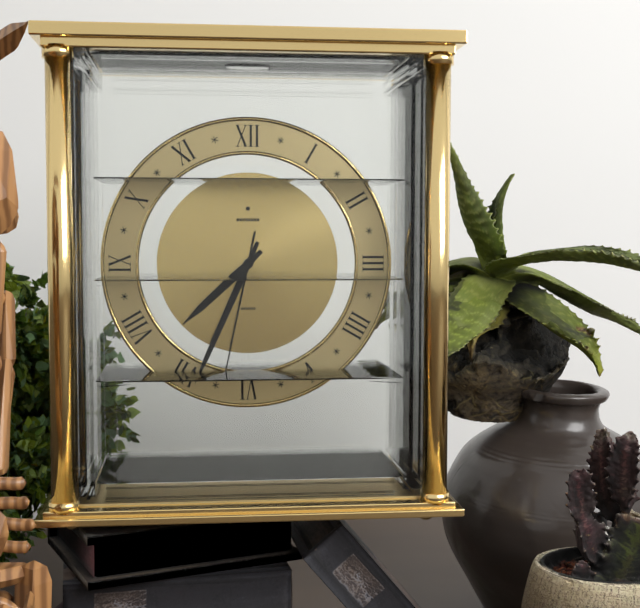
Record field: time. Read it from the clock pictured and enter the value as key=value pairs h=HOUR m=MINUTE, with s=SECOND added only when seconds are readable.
h=7 m=34 s=32
